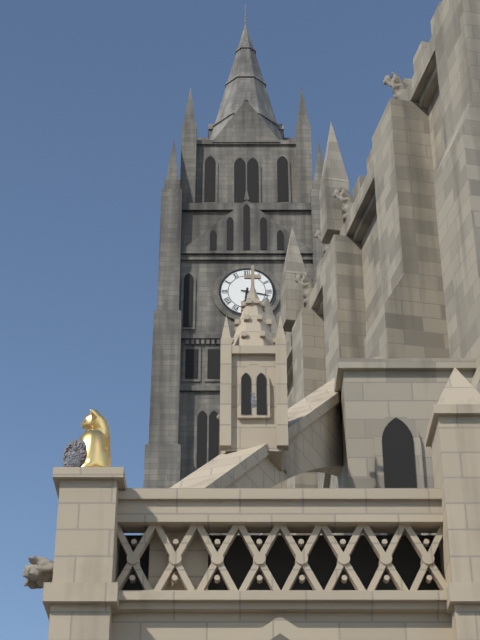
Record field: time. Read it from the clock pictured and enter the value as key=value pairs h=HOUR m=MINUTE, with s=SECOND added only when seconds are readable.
h=6 m=17
